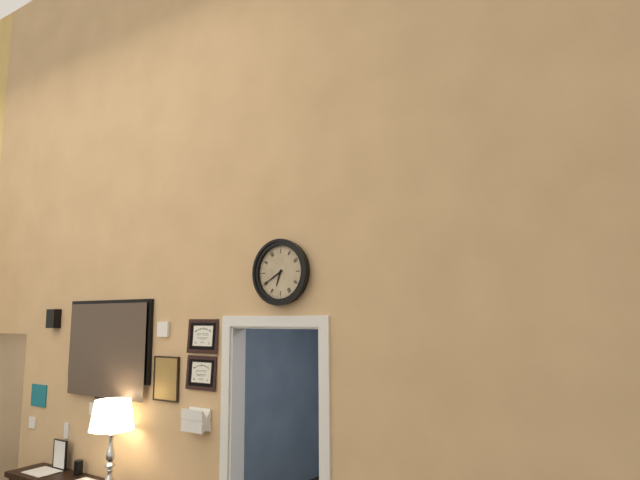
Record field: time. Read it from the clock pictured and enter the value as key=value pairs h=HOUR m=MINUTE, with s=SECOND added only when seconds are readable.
h=6 m=40
